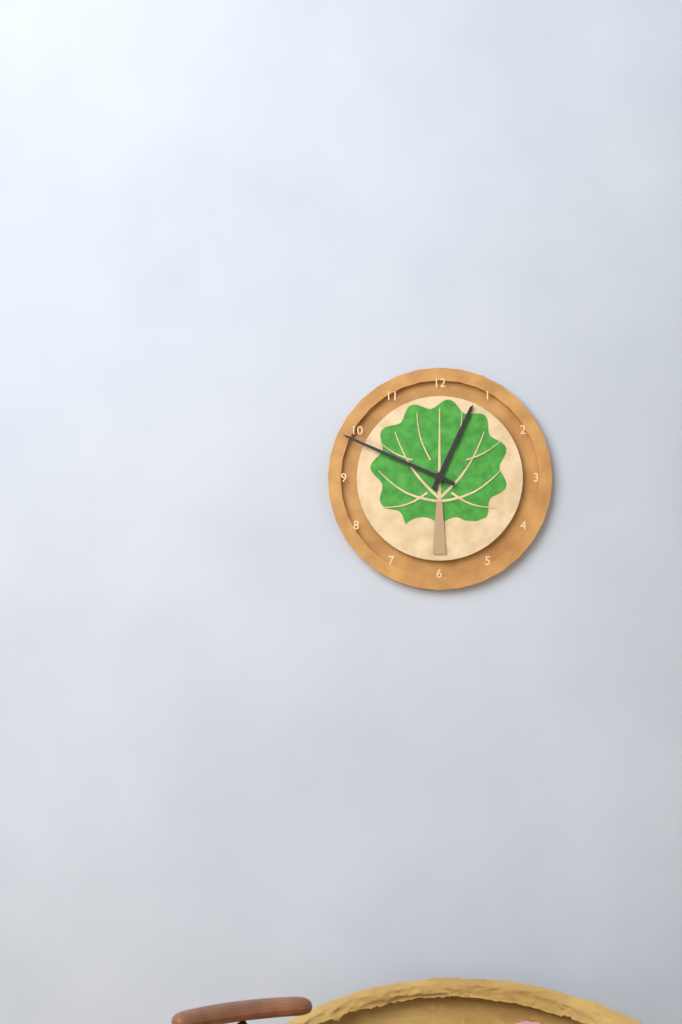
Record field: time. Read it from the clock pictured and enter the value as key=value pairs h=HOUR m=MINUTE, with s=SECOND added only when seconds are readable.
h=12 m=49
